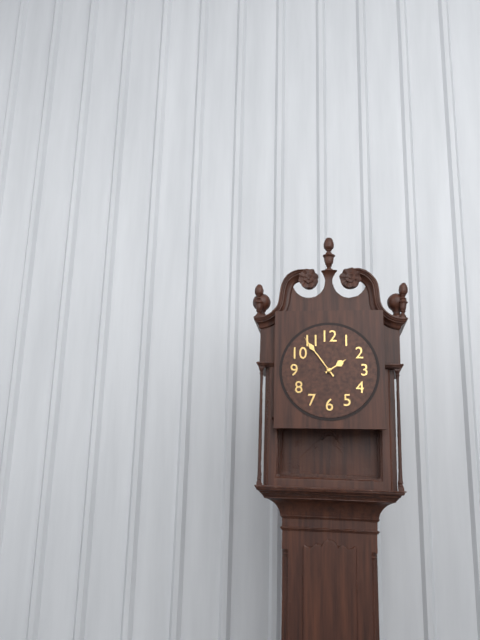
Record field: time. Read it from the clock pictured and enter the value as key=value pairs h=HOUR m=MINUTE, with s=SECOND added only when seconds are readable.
h=1 m=54
